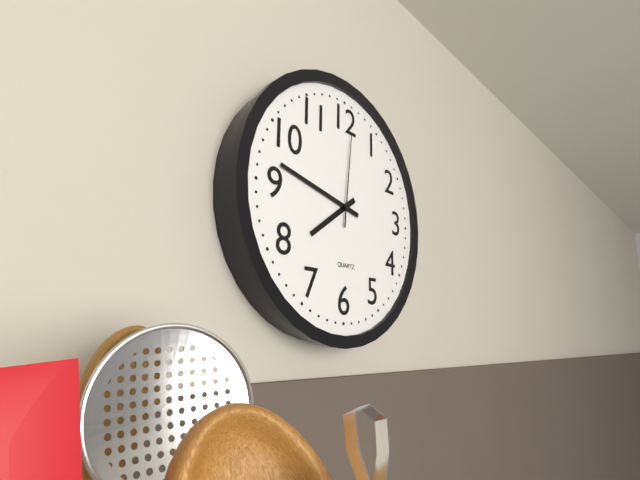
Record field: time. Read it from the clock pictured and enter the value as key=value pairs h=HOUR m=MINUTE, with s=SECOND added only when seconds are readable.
h=7 m=47 s=1
